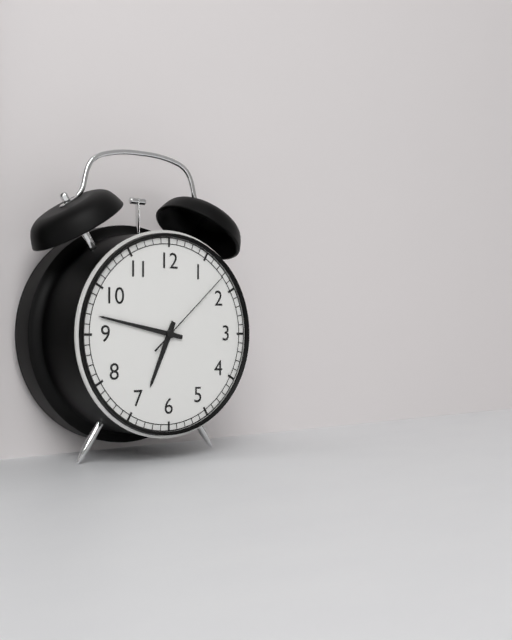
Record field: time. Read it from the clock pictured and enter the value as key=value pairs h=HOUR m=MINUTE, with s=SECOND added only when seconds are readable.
h=6 m=47 s=8
